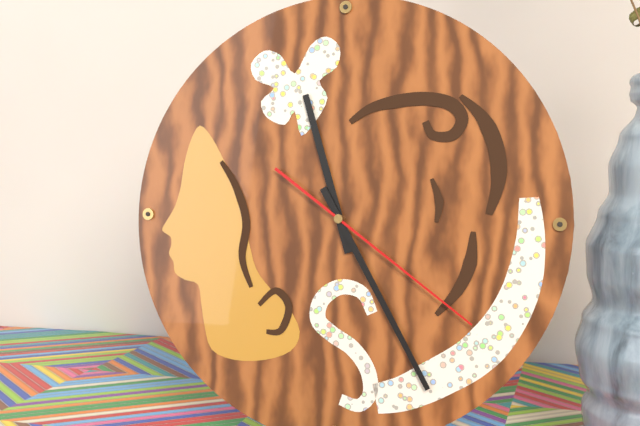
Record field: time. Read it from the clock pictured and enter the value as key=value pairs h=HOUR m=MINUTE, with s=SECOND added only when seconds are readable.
h=11 m=25 s=21
